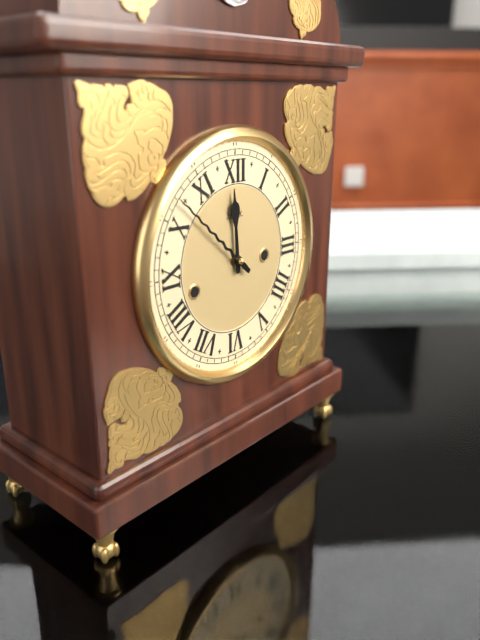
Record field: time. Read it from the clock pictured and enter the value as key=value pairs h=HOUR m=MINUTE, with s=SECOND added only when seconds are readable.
h=11 m=52
